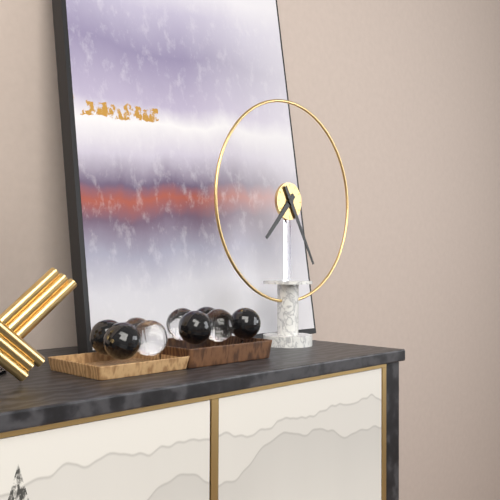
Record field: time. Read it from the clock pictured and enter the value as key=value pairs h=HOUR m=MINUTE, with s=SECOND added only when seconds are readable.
h=7 m=25
